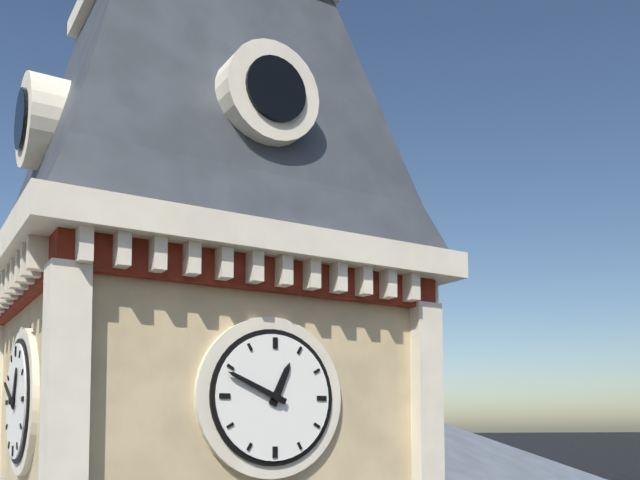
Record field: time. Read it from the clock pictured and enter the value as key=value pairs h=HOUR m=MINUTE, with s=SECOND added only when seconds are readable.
h=12 m=49
